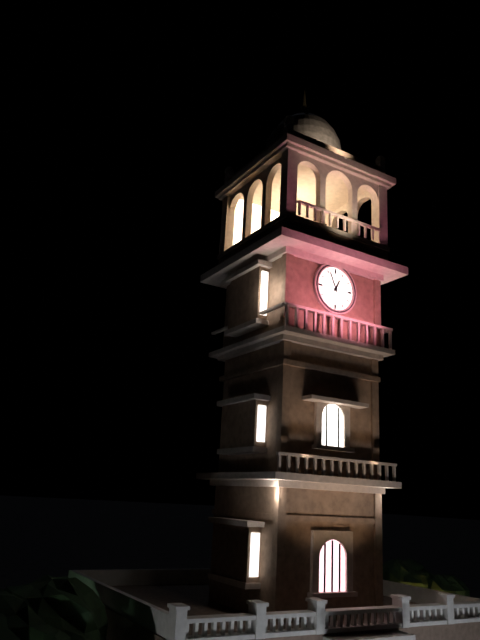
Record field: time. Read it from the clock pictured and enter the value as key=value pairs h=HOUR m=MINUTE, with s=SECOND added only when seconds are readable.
h=12 m=56
